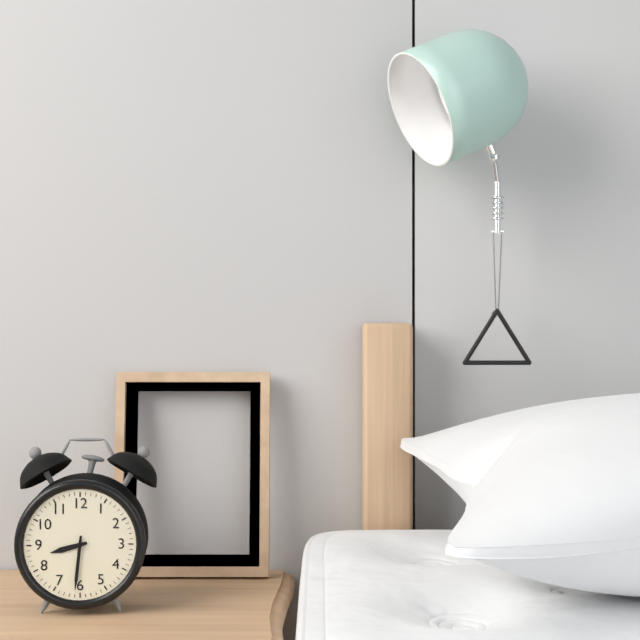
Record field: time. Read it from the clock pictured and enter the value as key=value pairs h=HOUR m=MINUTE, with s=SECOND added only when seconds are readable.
h=8 m=31
